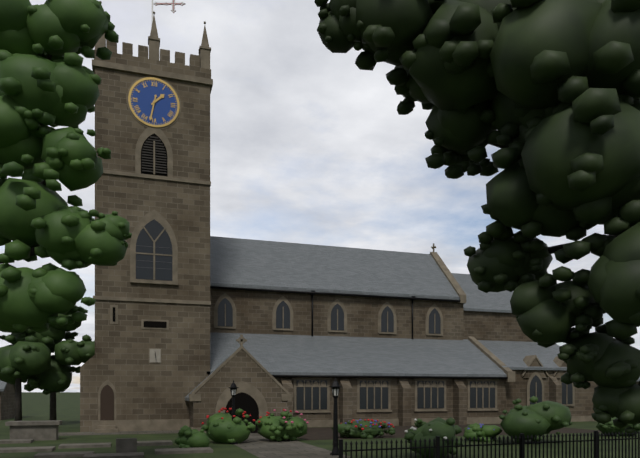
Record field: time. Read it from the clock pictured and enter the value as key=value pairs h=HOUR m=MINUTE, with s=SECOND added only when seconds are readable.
h=1 m=32
